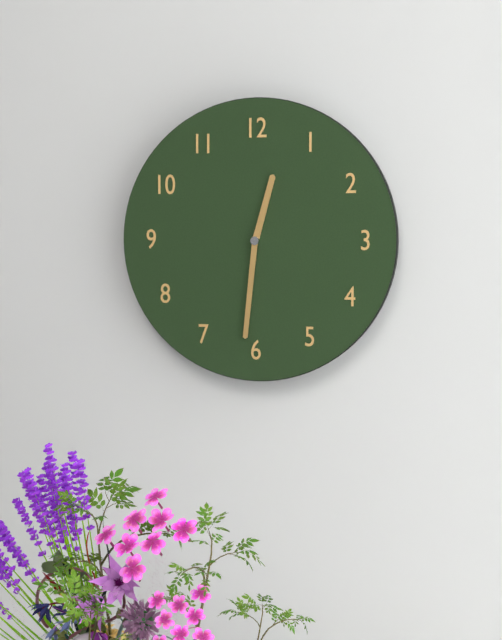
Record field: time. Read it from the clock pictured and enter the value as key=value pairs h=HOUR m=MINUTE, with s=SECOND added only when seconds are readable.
h=12 m=31
